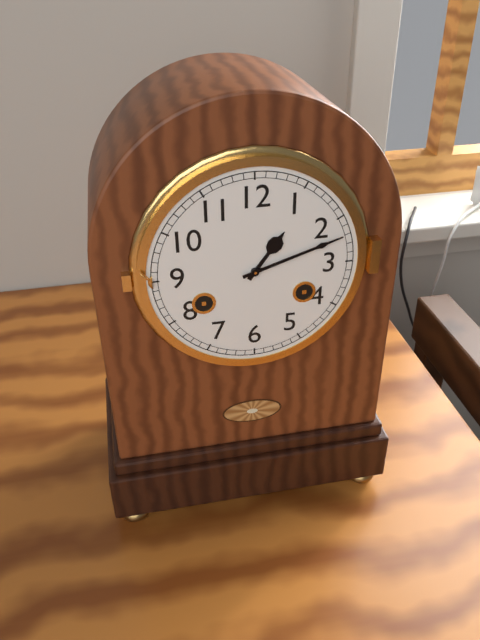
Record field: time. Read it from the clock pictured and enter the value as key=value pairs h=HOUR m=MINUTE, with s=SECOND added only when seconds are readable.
h=1 m=12
